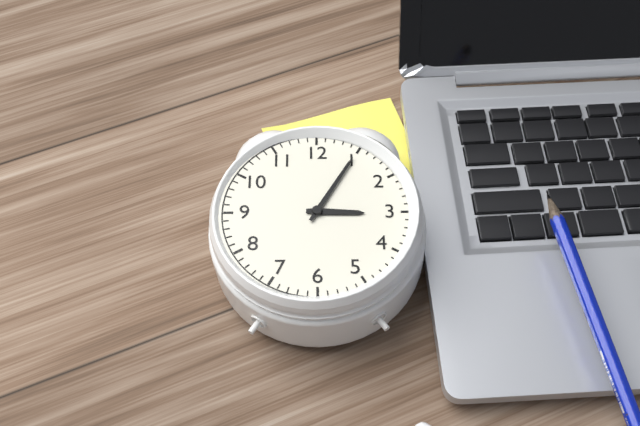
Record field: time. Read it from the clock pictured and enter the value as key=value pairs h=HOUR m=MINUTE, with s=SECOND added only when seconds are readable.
h=3 m=5
